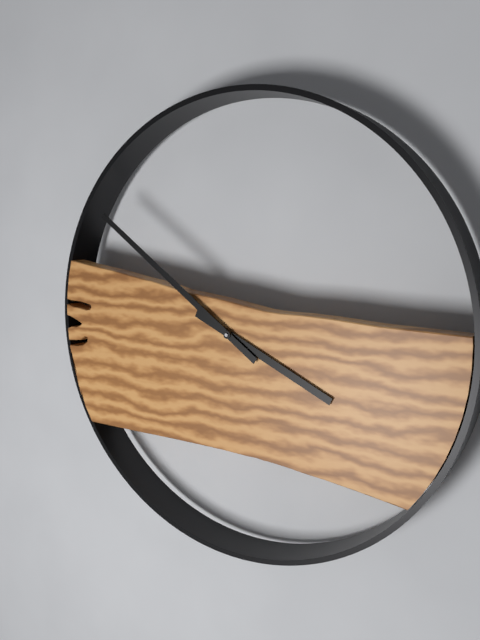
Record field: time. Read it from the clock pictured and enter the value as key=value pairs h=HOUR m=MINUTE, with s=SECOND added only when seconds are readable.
h=3 m=51
